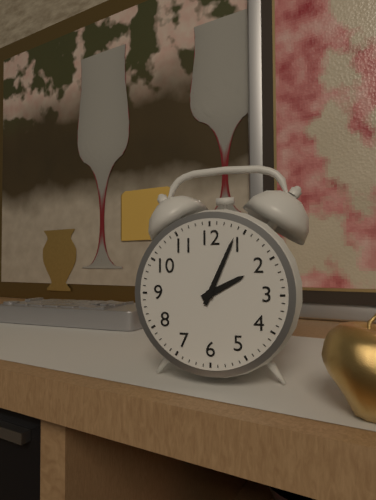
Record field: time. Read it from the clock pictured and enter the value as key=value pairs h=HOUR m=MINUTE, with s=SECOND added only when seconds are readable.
h=2 m=4
